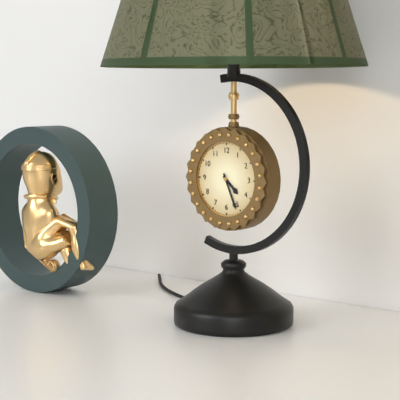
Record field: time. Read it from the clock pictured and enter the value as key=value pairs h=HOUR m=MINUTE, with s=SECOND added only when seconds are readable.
h=4 m=26
